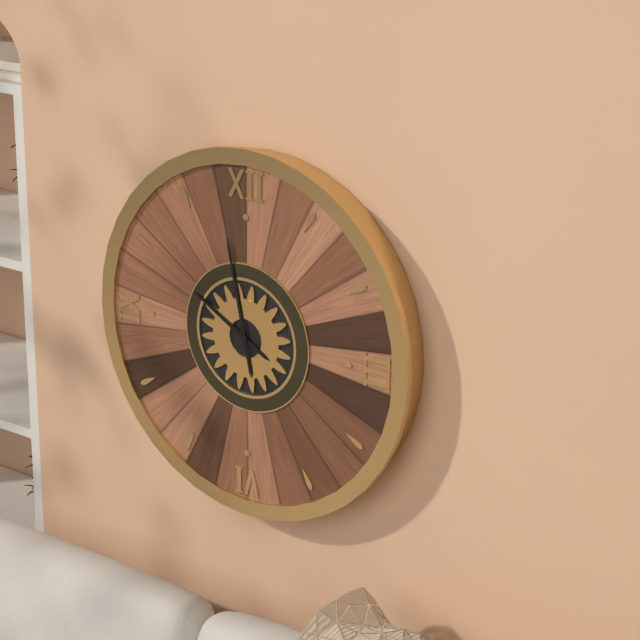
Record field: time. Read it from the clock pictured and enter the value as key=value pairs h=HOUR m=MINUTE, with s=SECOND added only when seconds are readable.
h=9 m=58
